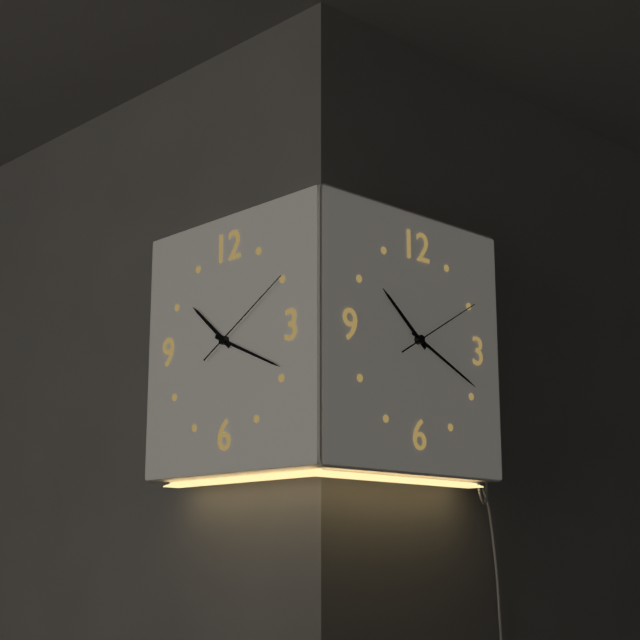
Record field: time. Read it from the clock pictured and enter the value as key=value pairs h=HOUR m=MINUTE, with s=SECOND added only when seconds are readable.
h=10 m=19 s=10
